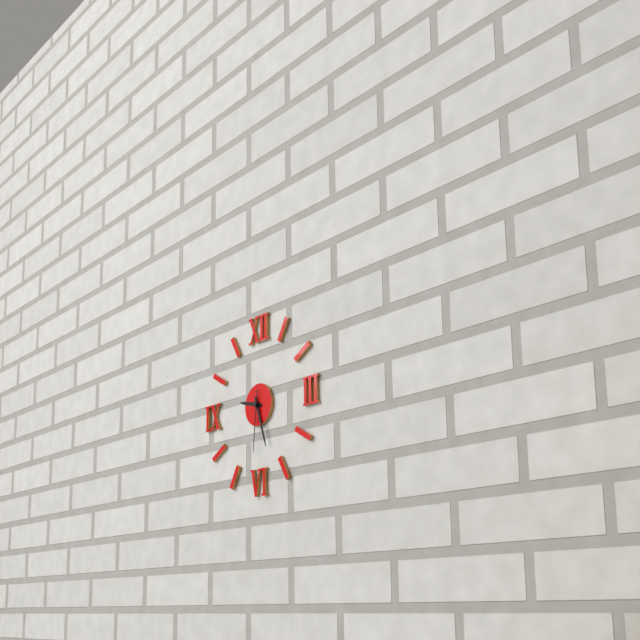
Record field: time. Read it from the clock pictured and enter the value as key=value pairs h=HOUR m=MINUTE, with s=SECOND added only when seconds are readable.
h=9 m=27 s=31
